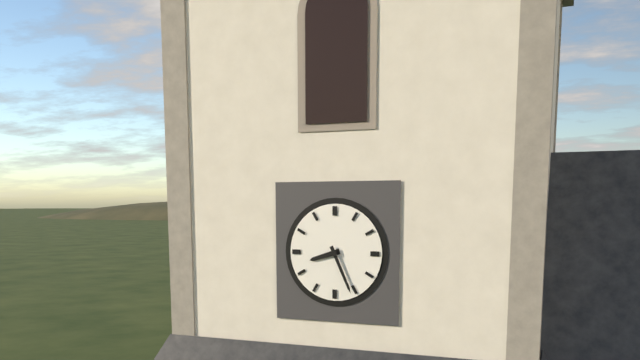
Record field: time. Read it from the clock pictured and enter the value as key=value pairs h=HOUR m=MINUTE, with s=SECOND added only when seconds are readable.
h=8 m=26
